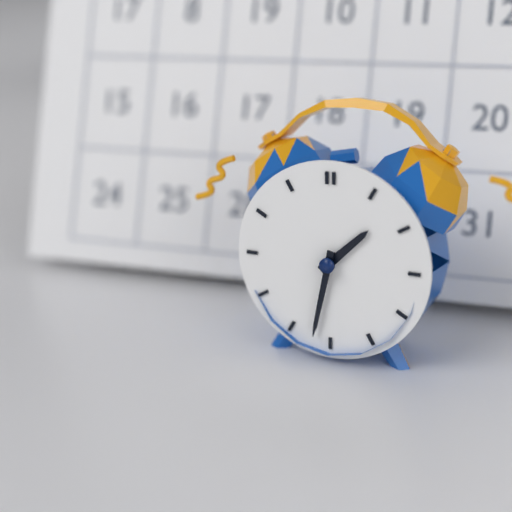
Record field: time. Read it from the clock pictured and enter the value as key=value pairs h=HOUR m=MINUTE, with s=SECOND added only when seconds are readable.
h=1 m=32
